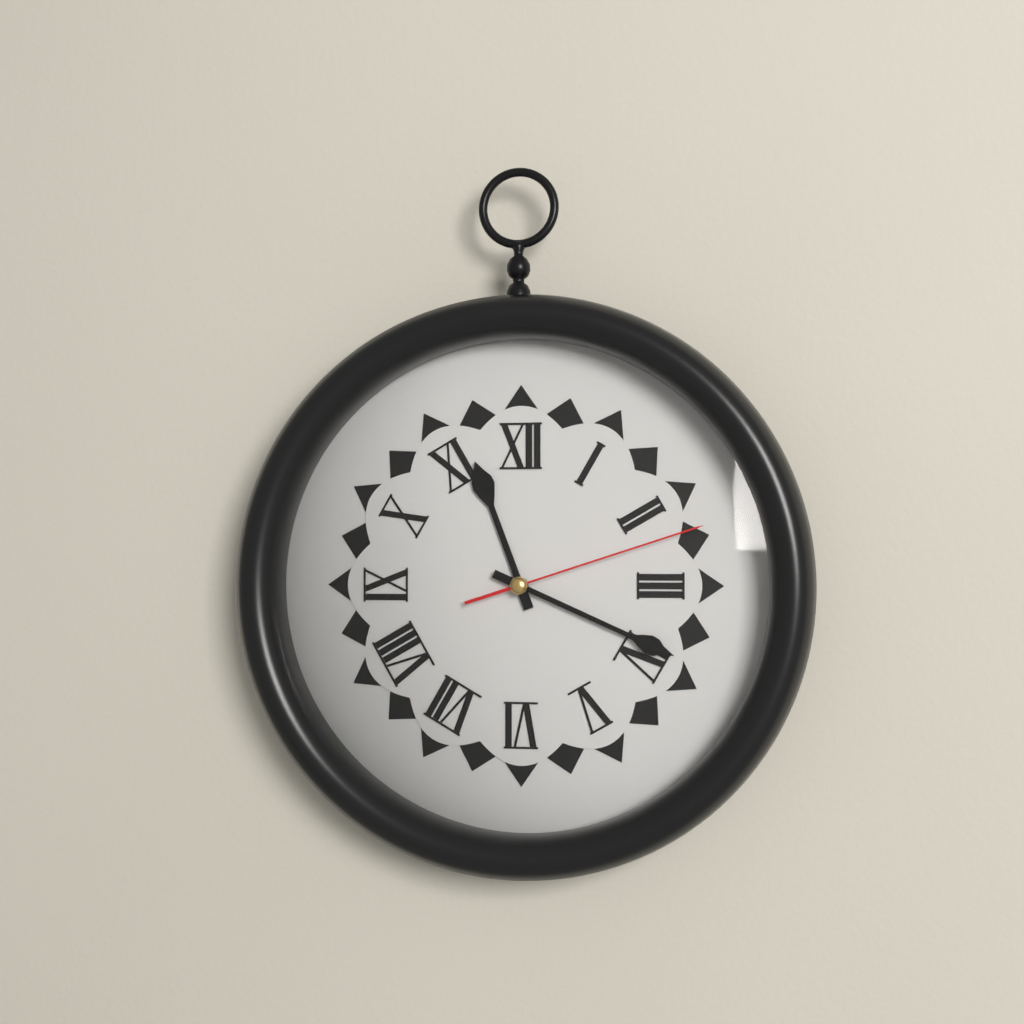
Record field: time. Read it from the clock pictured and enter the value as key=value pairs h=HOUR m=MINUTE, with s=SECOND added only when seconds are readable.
h=11 m=19 s=12
